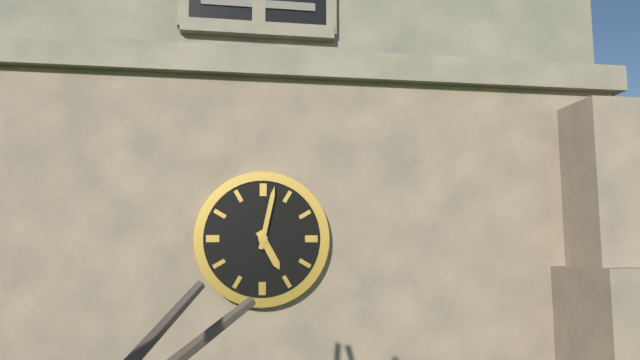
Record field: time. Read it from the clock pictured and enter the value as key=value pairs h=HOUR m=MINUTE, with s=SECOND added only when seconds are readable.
h=5 m=2
